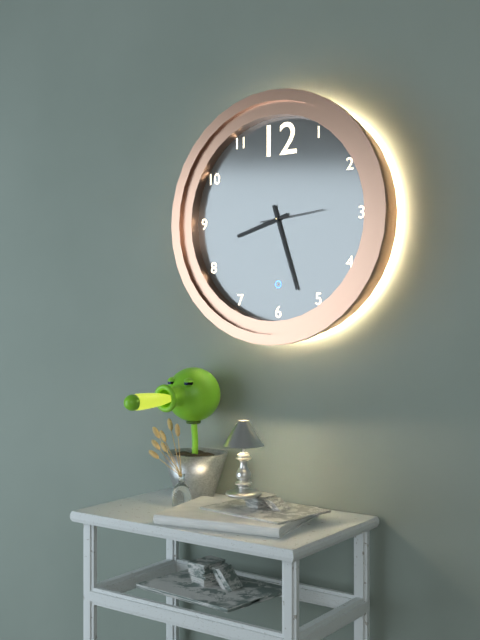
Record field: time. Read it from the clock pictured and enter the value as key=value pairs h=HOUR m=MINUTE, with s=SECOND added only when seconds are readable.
h=8 m=27 s=14
